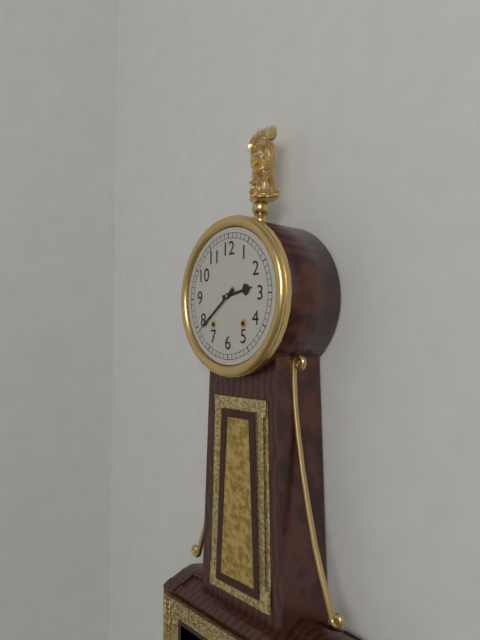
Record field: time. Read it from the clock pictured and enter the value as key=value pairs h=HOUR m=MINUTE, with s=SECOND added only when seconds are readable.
h=2 m=39
